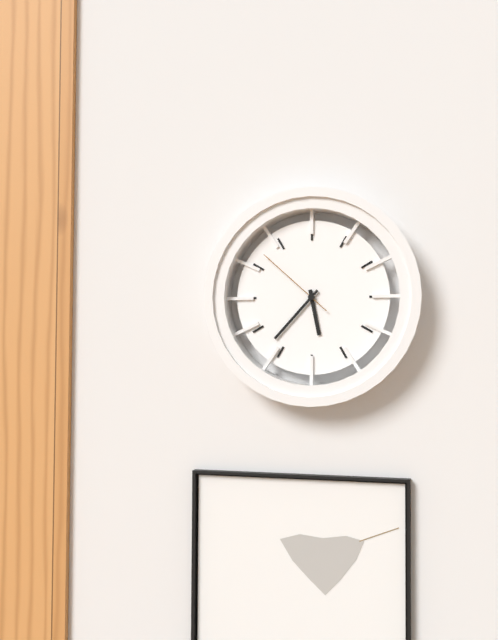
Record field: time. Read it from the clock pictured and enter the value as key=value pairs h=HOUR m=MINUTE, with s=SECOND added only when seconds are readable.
h=5 m=37 s=52
